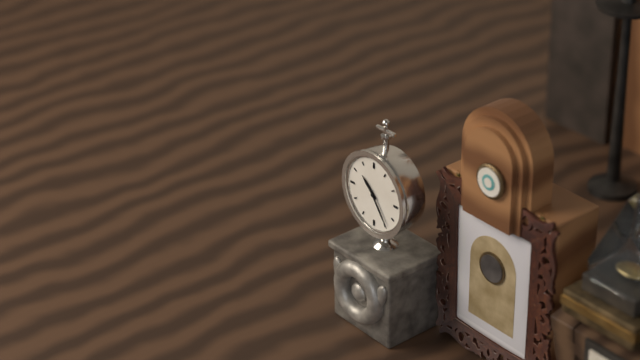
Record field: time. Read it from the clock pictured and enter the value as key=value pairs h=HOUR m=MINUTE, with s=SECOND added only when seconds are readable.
h=10 m=24
